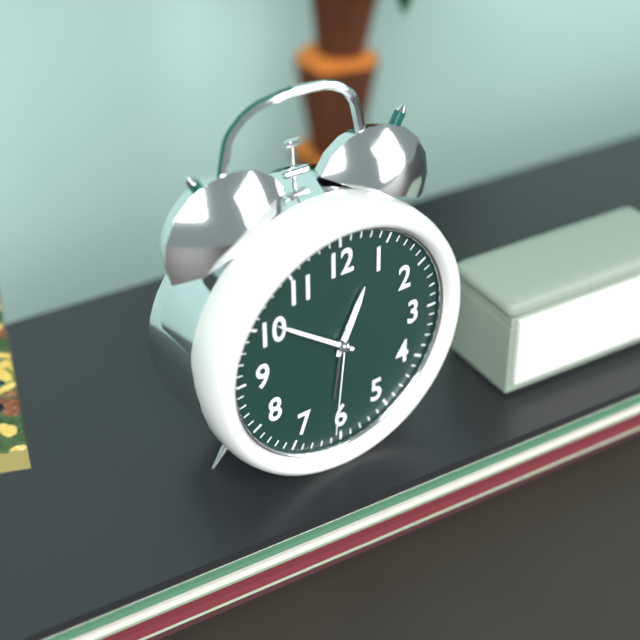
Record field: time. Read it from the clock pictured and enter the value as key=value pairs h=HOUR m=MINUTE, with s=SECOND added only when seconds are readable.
h=12 m=51 s=31
